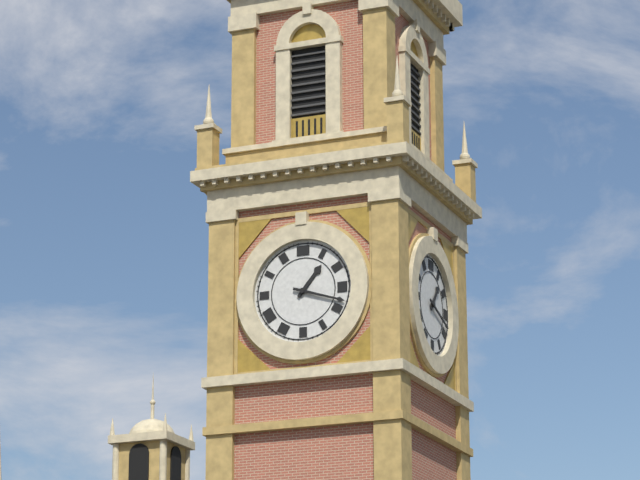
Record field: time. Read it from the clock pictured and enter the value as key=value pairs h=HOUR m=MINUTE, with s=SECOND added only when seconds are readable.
h=1 m=18
